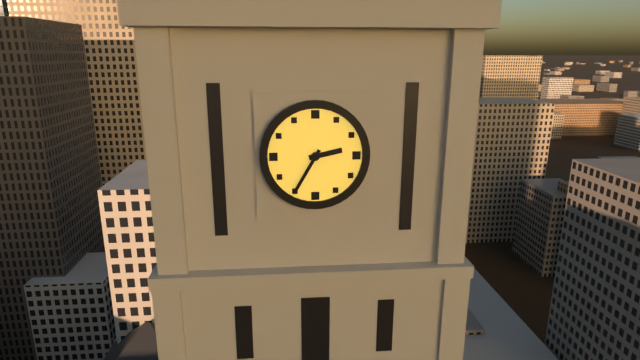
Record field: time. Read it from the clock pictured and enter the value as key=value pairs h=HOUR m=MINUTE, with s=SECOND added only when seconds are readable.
h=2 m=35
